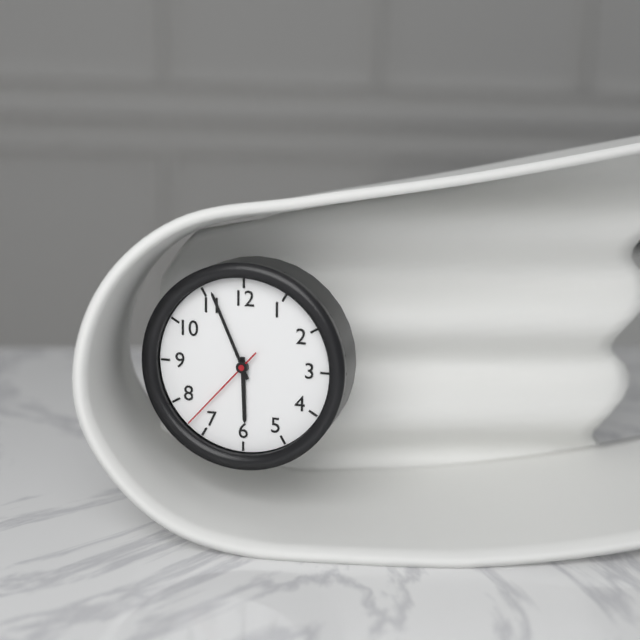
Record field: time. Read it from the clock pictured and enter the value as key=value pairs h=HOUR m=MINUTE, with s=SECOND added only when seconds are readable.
h=5 m=56 s=37
